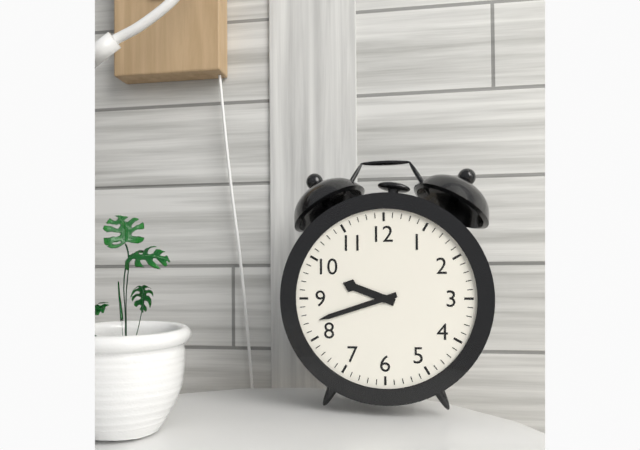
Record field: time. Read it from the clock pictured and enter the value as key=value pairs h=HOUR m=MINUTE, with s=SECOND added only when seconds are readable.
h=9 m=42
